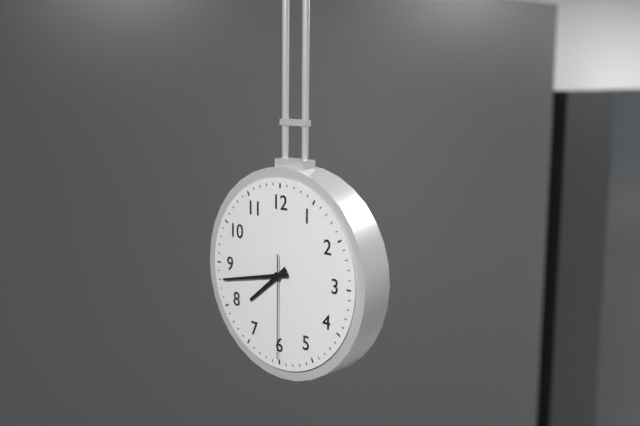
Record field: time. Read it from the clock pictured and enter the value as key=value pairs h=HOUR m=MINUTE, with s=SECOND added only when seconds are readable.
h=7 m=43 s=30
